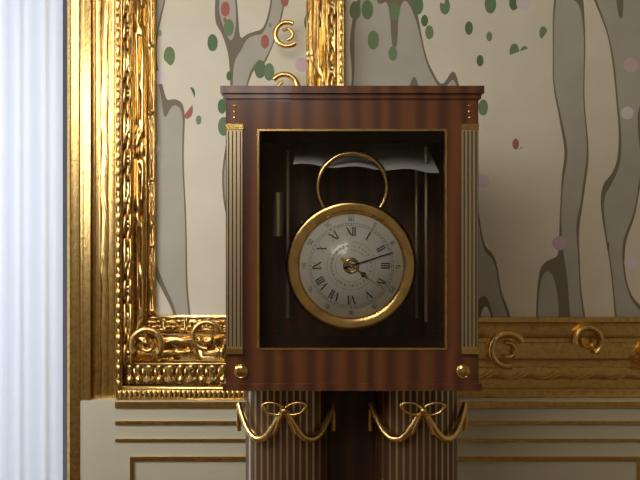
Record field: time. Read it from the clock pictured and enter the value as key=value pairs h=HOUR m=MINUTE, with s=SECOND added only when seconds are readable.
h=4 m=12 s=21
